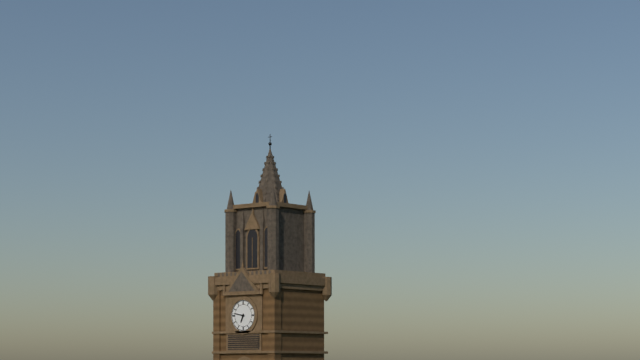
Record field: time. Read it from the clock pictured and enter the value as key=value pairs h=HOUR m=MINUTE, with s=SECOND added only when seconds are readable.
h=6 m=47
